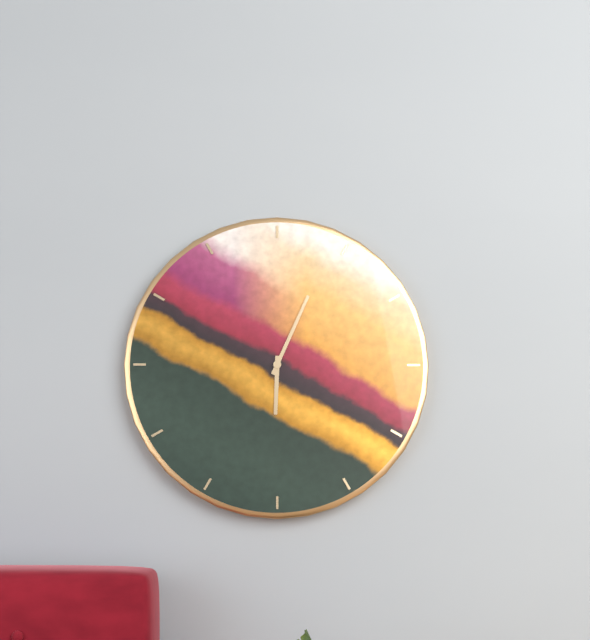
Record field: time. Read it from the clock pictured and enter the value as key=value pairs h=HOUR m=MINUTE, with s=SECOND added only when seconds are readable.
h=6 m=4
